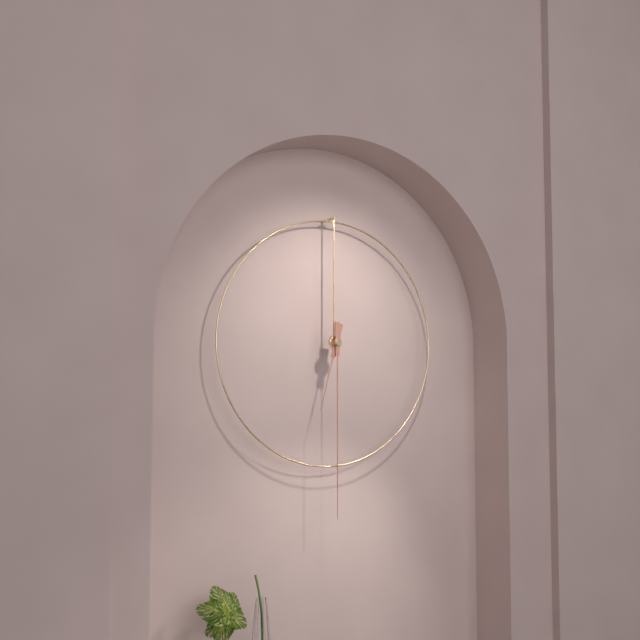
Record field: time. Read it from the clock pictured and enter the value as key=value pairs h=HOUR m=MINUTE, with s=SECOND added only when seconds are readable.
h=6 m=30
